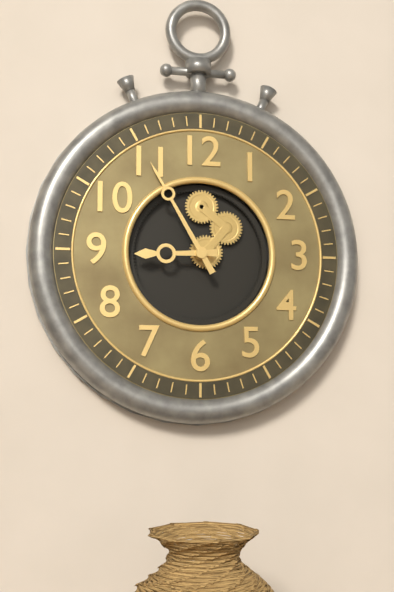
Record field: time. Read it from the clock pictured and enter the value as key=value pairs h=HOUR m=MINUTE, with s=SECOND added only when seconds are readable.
h=8 m=55
